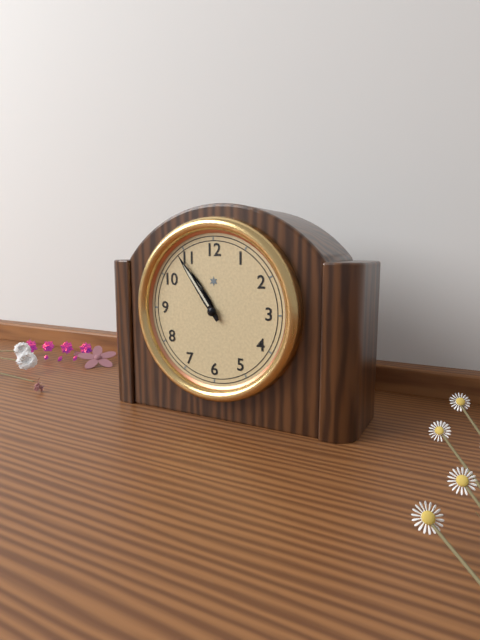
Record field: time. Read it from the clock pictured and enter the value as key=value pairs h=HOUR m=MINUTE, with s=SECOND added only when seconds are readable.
h=10 m=54
